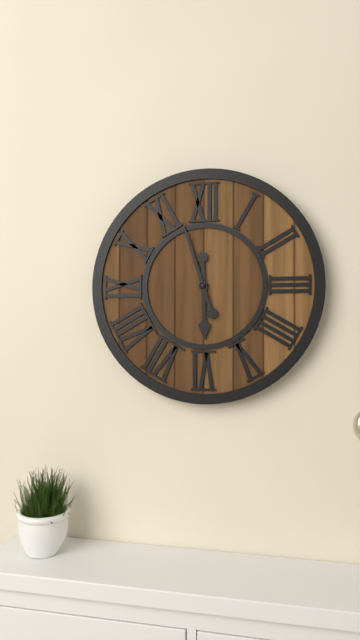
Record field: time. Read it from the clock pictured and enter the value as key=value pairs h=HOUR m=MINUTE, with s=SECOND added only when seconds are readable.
h=5 m=57
